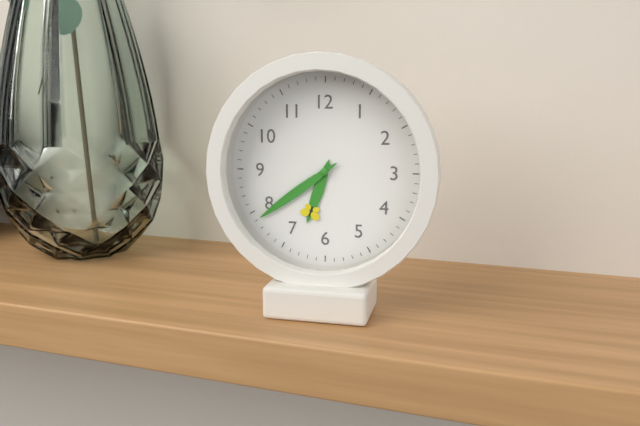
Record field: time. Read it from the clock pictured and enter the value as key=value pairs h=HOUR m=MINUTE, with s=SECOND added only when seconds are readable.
h=6 m=39
